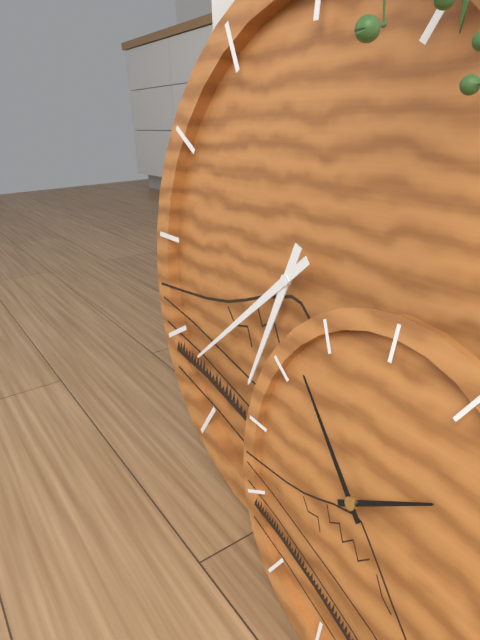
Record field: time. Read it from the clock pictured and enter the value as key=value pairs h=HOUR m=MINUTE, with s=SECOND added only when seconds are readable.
h=6 m=38
